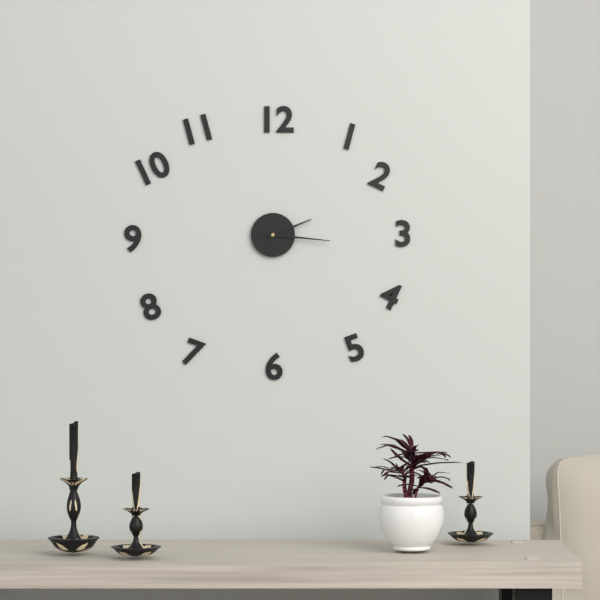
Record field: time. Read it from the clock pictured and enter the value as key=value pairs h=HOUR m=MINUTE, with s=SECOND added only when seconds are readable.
h=2 m=16
